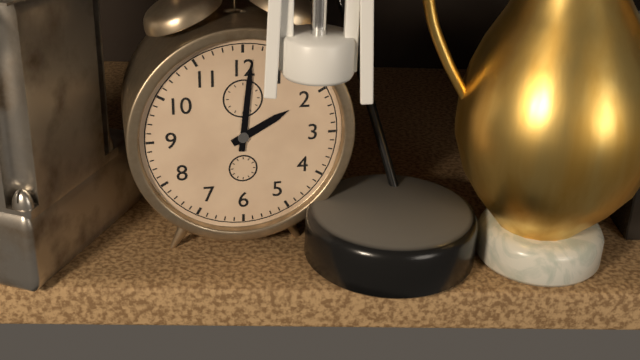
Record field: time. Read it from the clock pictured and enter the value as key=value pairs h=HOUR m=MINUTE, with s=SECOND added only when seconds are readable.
h=2 m=1
